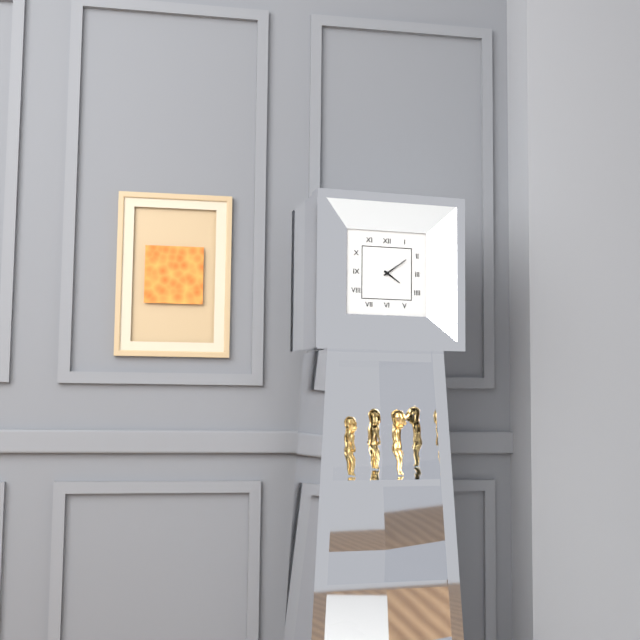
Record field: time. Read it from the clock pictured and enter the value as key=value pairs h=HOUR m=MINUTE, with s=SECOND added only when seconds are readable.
h=4 m=9
